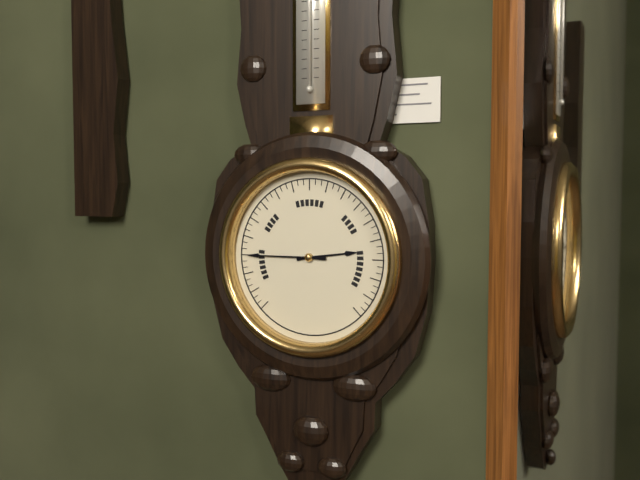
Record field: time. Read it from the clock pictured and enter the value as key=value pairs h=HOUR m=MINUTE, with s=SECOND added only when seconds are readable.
h=2 m=45
